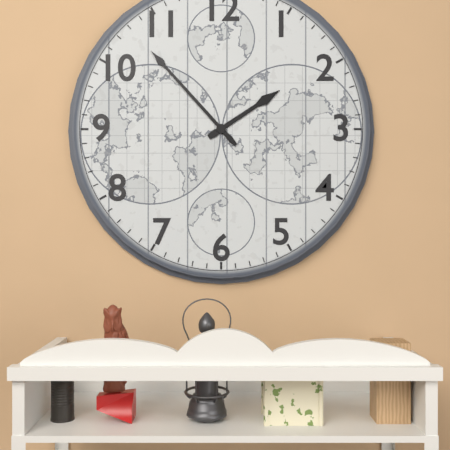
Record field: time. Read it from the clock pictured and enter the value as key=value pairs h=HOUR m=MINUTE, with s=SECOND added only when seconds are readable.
h=1 m=53
